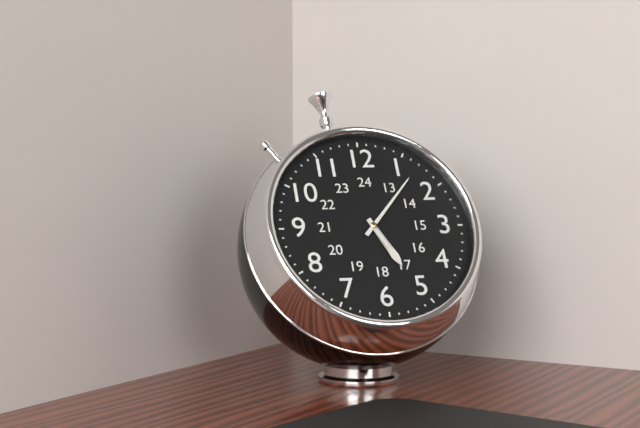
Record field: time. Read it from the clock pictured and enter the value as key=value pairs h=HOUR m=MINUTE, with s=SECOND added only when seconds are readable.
h=5 m=7
